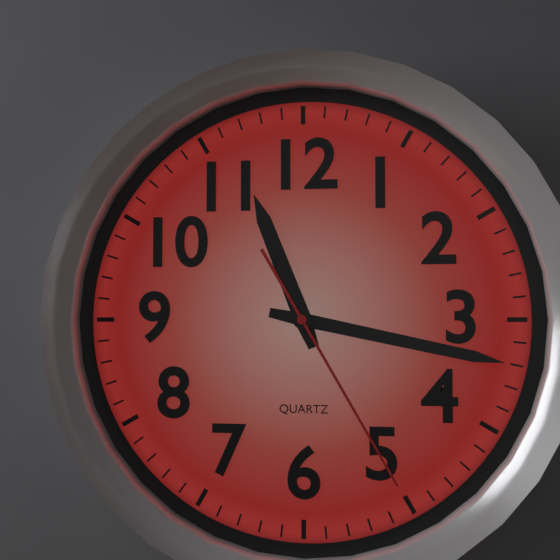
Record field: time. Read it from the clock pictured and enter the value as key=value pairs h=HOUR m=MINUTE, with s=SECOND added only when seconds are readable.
h=11 m=17 s=25
